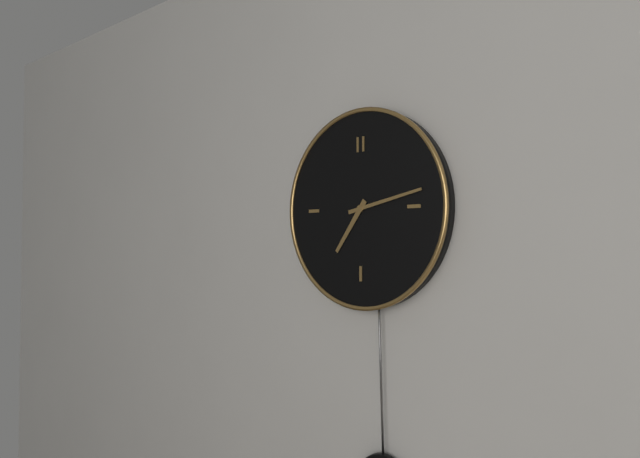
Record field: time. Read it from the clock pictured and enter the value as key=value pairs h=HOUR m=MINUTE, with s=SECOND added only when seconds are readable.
h=7 m=13
